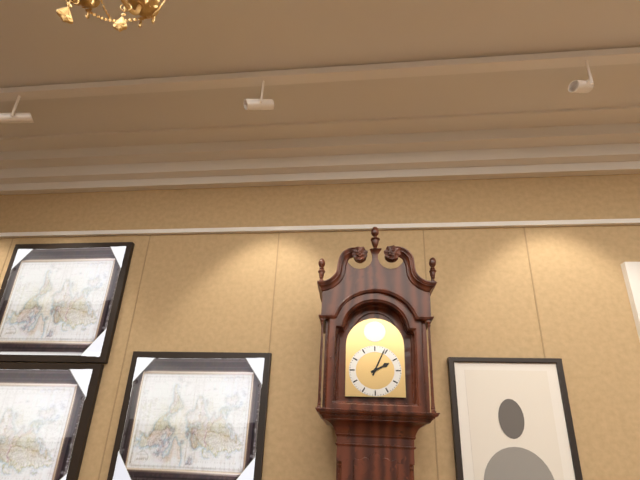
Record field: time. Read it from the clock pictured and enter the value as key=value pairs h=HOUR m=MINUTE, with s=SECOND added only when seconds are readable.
h=2 m=4
